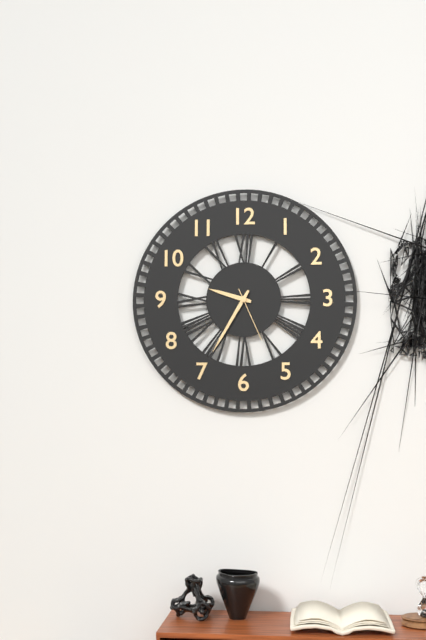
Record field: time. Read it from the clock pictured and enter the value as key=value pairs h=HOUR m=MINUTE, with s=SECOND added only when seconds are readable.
h=9 m=35 s=26
